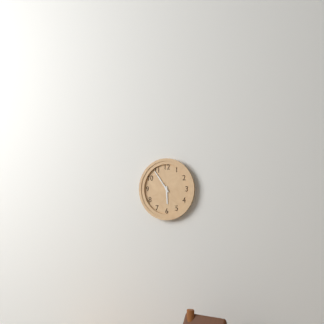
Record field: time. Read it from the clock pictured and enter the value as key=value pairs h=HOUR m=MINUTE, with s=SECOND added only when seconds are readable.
h=5 m=54
